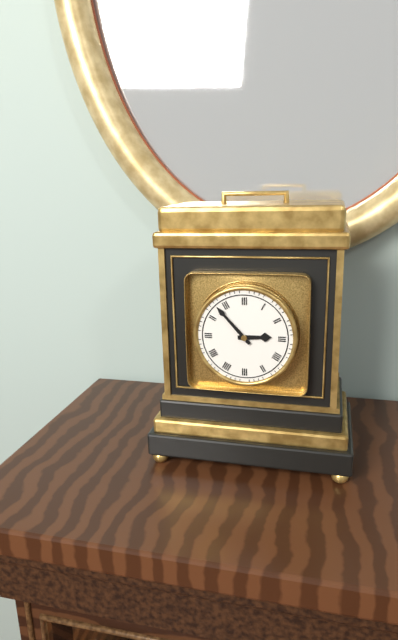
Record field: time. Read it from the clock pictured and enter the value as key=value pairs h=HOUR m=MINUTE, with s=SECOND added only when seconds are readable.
h=2 m=53
